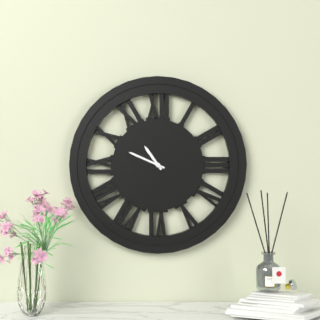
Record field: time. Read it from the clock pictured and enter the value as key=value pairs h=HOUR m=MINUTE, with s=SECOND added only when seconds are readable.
h=10 m=49
